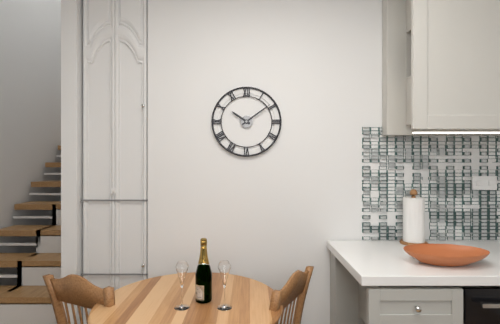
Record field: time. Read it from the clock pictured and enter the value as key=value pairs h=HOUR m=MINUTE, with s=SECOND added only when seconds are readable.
h=10 m=9
